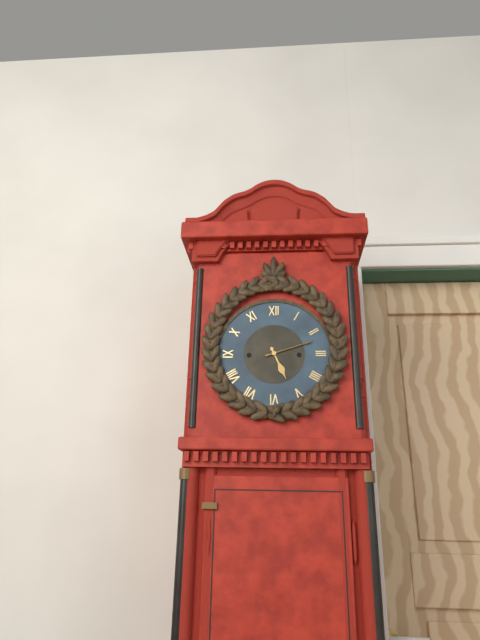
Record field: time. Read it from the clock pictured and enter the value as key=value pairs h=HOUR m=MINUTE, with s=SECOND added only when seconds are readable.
h=5 m=12
